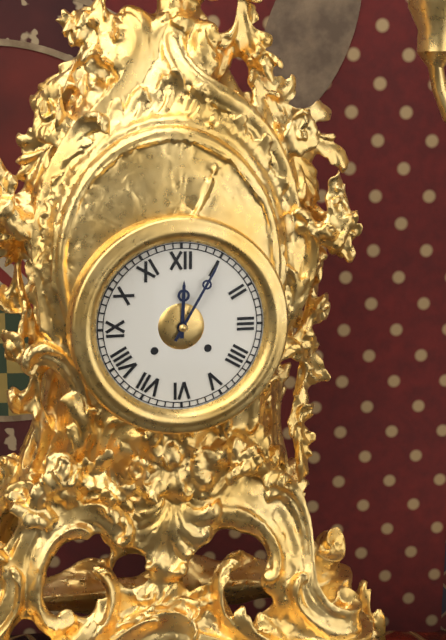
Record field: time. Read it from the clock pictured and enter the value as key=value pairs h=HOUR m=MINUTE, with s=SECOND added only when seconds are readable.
h=12 m=5
